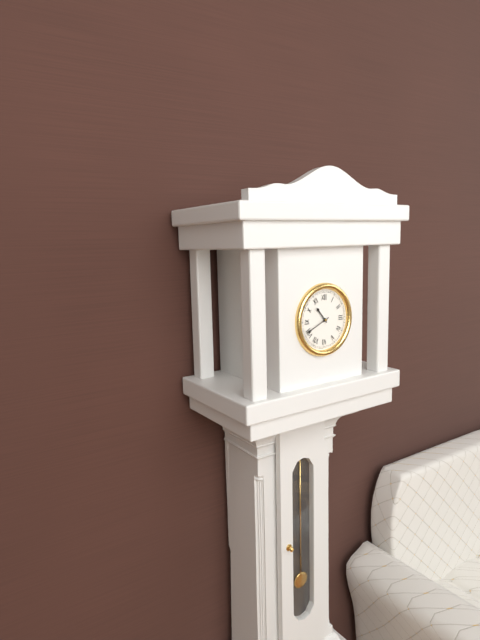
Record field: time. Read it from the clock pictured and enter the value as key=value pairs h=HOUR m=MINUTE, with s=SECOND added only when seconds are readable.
h=10 m=41
